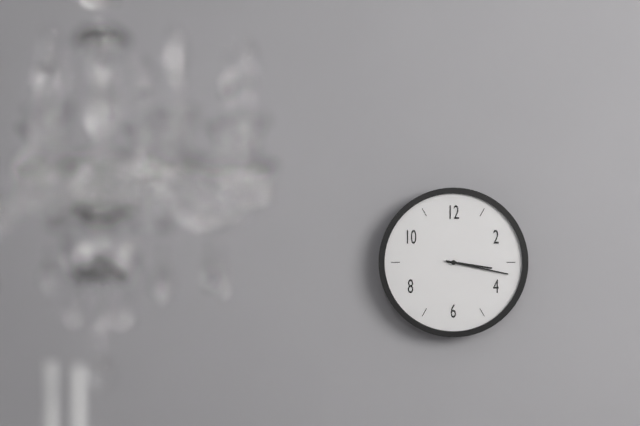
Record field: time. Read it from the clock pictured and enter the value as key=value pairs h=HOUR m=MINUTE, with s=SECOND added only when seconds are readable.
h=3 m=17
